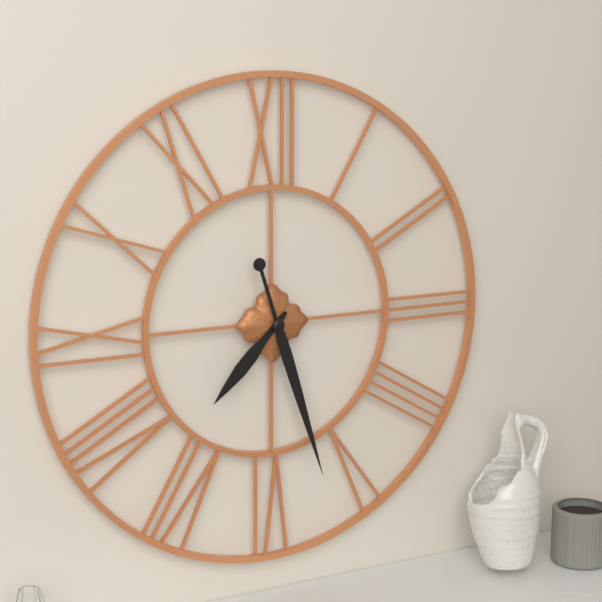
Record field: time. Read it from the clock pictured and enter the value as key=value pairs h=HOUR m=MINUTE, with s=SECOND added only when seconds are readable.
h=7 m=27
